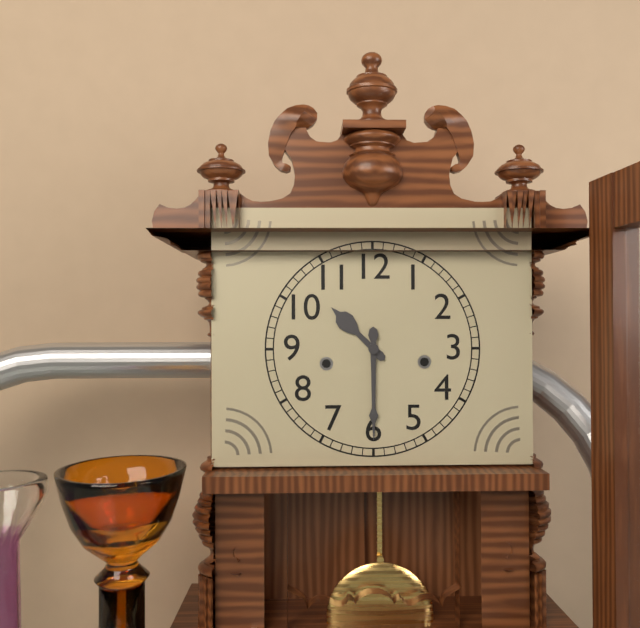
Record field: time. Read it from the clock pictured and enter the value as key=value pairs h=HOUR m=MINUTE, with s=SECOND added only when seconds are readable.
h=10 m=30
